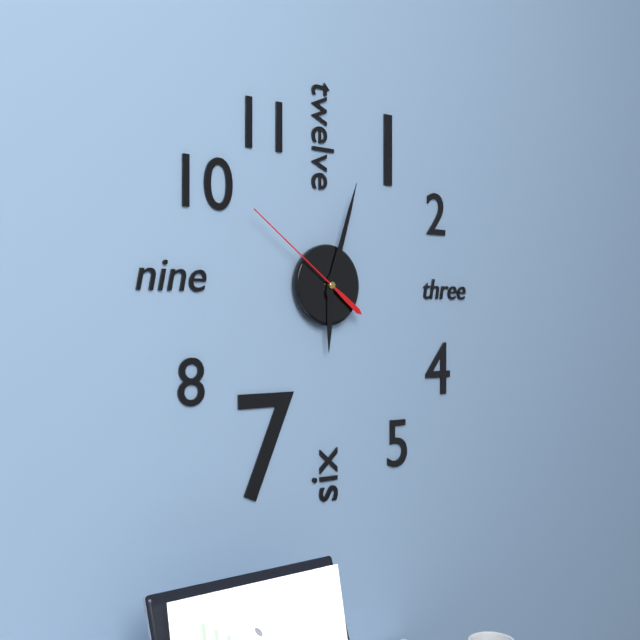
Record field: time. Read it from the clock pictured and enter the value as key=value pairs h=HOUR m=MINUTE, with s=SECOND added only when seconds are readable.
h=6 m=3 s=51
